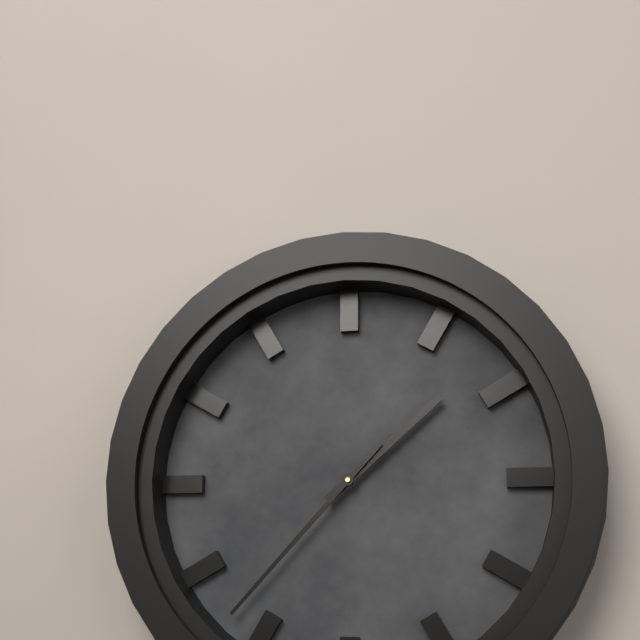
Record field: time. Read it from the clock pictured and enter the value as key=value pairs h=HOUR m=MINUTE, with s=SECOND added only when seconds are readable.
h=1 m=37
